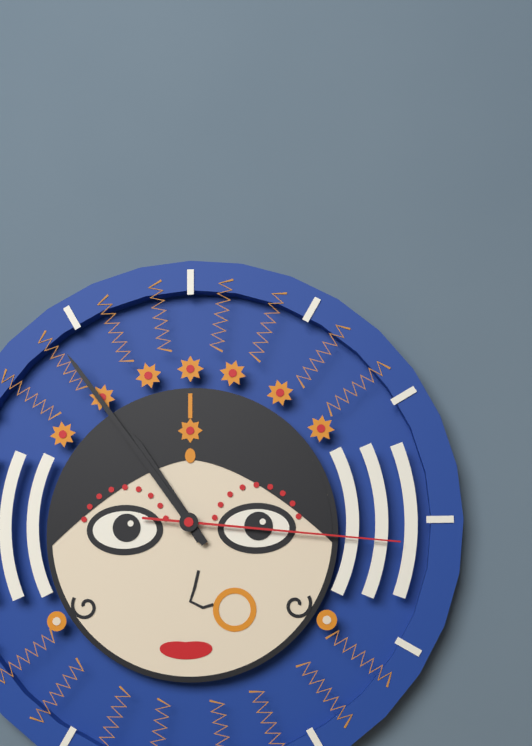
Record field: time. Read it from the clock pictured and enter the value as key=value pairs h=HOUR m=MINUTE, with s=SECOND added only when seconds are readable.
h=10 m=54 s=16
